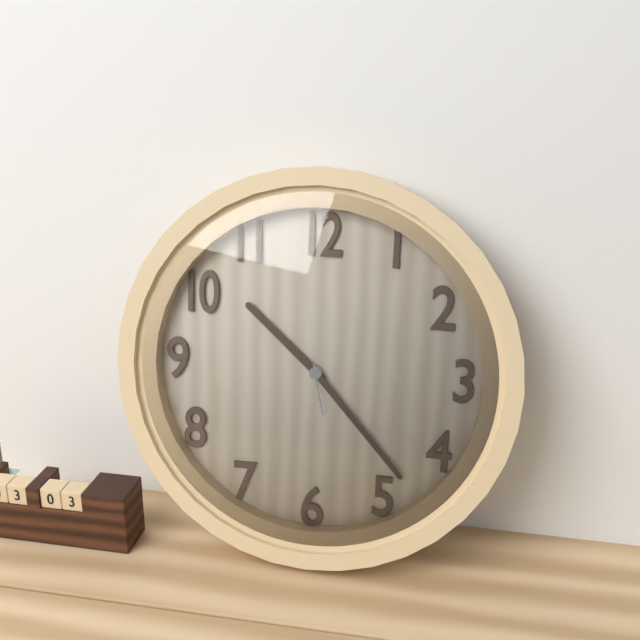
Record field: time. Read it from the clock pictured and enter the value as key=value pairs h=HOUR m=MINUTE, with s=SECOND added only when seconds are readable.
h=10 m=23 s=28
